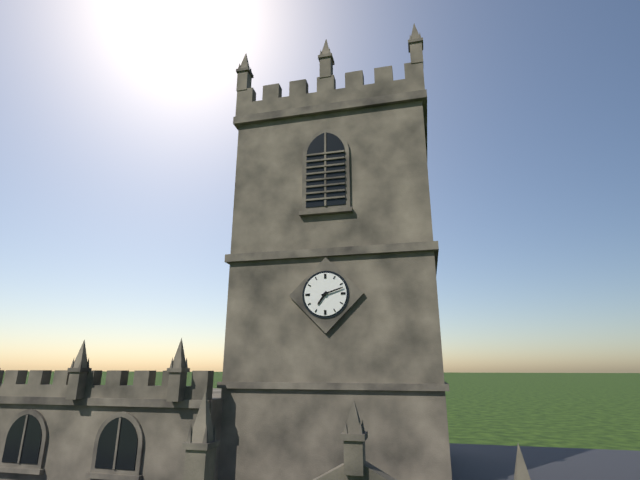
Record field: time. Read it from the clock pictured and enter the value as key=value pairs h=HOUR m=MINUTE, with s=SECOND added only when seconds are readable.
h=7 m=12
